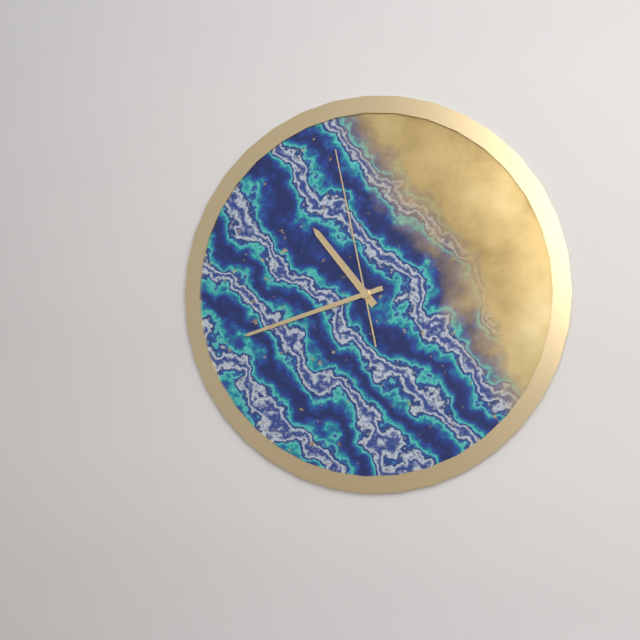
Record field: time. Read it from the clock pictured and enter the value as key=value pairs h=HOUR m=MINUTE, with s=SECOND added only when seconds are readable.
h=10 m=42 s=58
